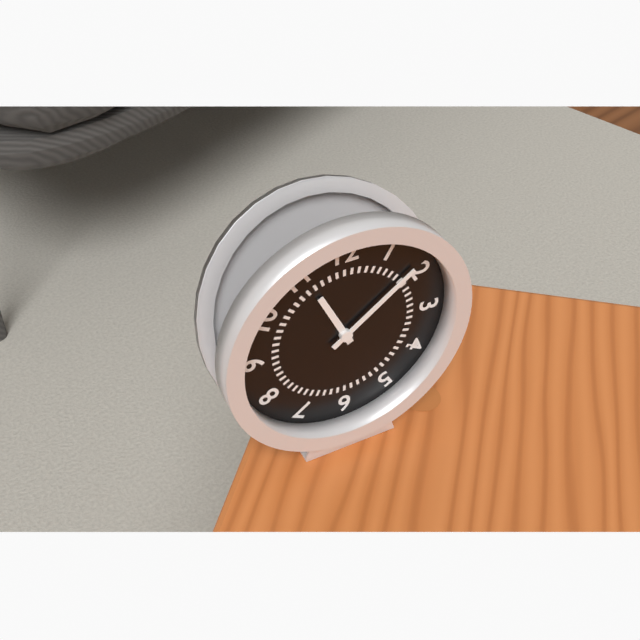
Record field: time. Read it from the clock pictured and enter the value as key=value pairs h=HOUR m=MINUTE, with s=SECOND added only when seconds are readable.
h=11 m=9
